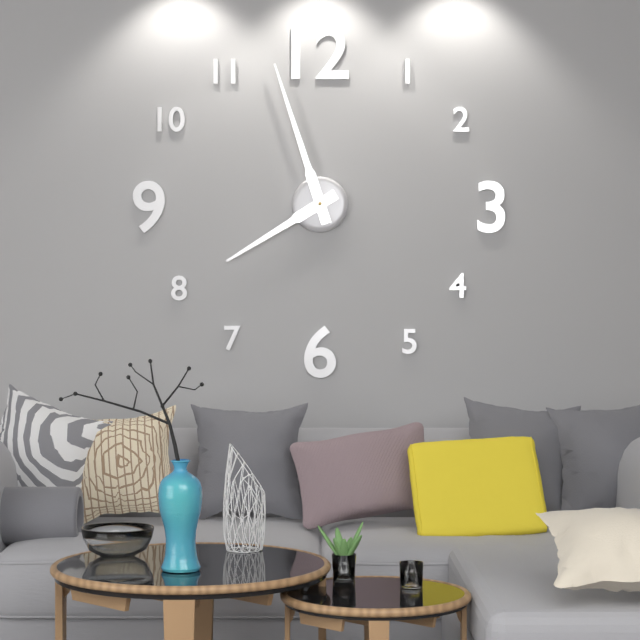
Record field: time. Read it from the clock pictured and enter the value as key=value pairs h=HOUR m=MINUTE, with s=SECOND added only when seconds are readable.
h=7 m=57
